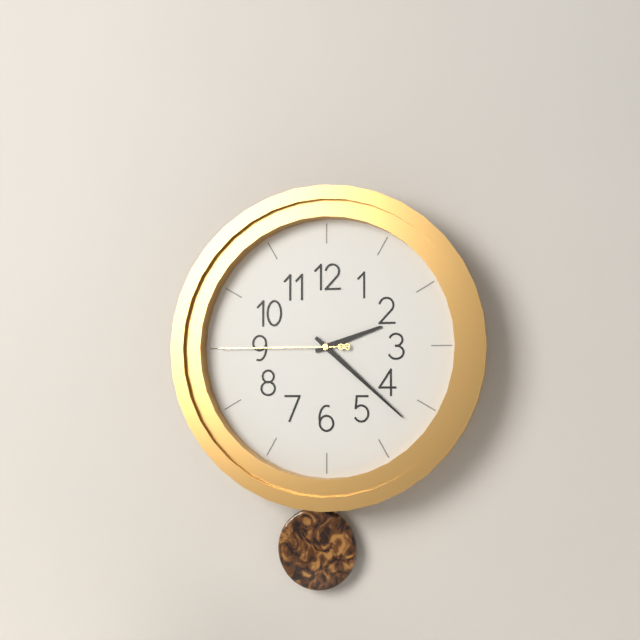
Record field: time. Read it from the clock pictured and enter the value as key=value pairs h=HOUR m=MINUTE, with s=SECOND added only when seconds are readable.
h=2 m=22 s=45
